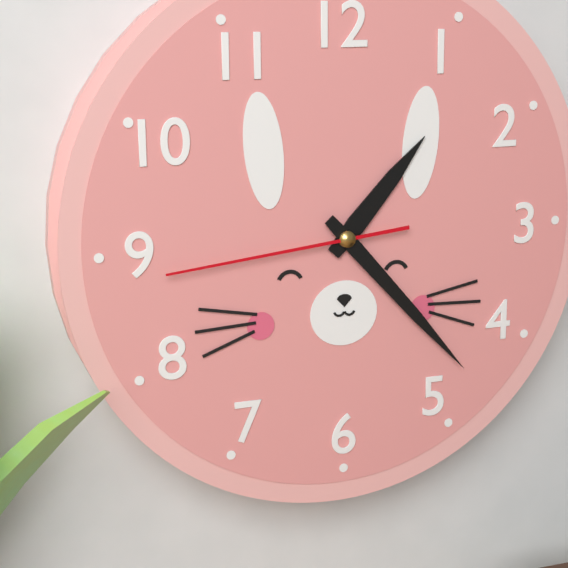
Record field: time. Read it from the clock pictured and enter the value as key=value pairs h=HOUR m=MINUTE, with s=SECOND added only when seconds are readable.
h=1 m=23 s=44
